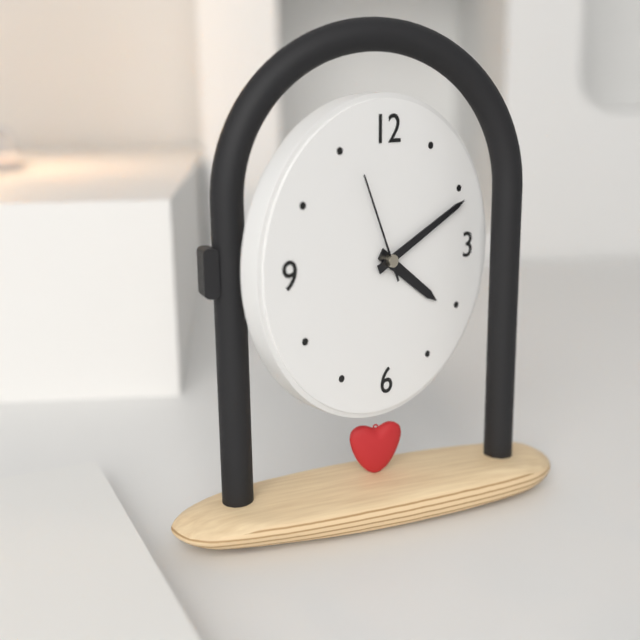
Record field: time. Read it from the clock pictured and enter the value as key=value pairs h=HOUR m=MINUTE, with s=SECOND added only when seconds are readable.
h=4 m=11 s=56
